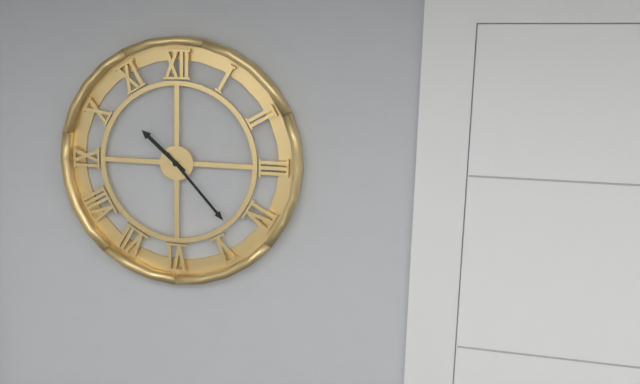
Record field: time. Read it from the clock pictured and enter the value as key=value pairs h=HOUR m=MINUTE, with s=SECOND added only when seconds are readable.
h=10 m=23
